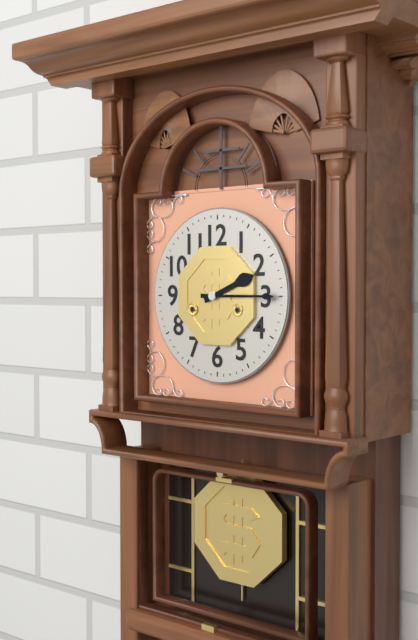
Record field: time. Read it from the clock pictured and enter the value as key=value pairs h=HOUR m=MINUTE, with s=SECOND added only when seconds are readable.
h=2 m=15
